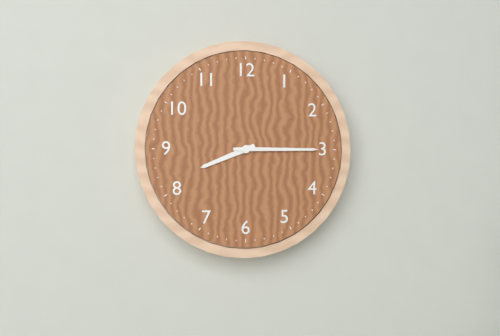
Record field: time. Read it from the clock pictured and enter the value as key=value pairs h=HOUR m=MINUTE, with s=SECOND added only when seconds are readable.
h=8 m=15
